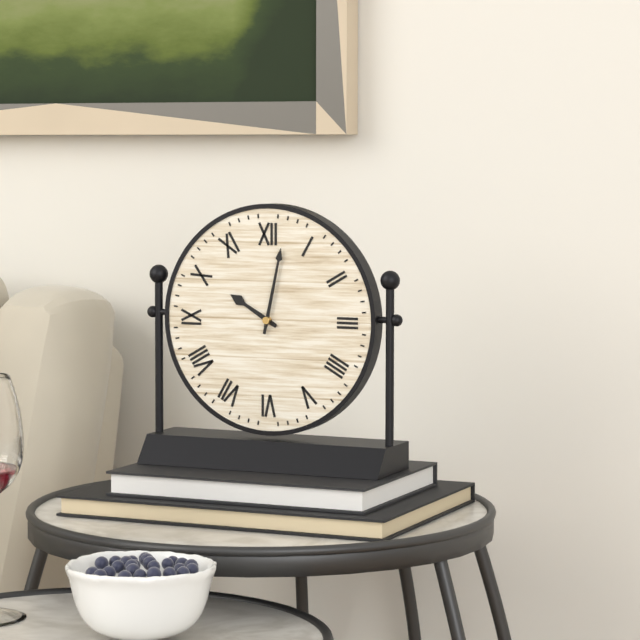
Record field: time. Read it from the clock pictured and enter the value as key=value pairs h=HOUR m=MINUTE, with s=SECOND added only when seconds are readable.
h=10 m=2
